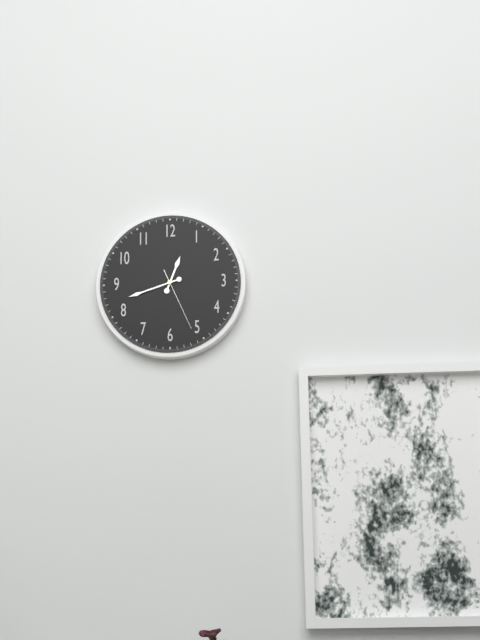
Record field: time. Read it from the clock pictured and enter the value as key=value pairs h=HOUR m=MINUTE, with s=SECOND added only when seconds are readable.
h=12 m=42 s=26
